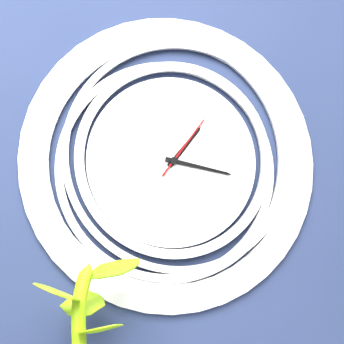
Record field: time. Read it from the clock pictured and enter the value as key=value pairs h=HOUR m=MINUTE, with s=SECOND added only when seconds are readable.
h=1 m=17 s=6
